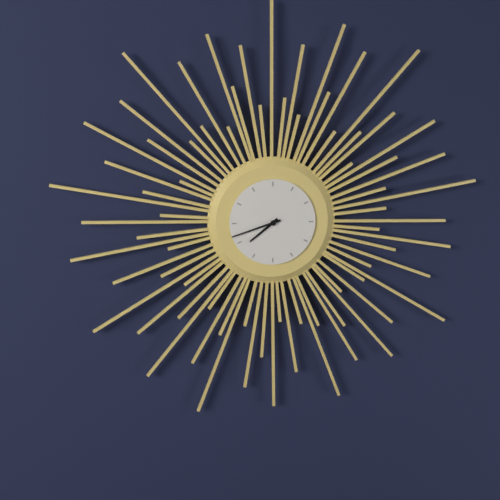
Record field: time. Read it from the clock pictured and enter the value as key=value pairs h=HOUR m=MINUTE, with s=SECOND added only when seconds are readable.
h=7 m=42
